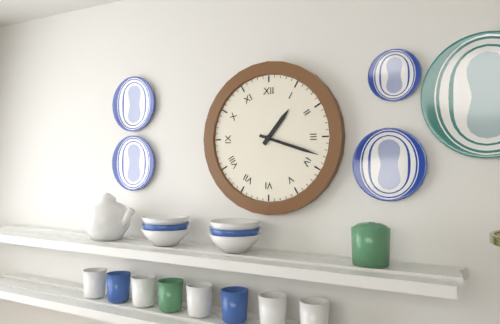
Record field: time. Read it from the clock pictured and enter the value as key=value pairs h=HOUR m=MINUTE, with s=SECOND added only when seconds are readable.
h=1 m=18
